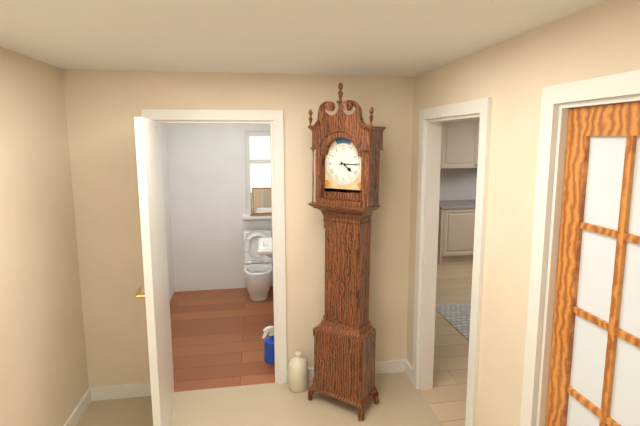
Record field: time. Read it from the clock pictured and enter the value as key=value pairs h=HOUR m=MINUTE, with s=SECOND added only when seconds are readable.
h=4 m=15
